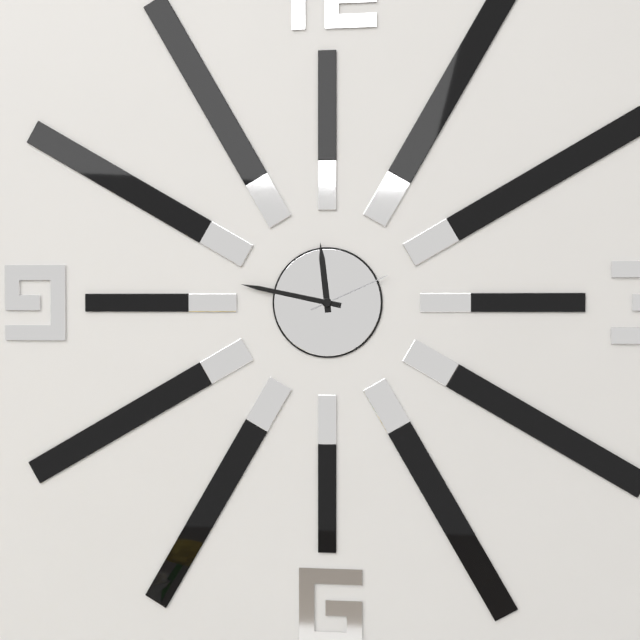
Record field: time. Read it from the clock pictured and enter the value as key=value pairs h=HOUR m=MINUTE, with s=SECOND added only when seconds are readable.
h=11 m=47 s=11
